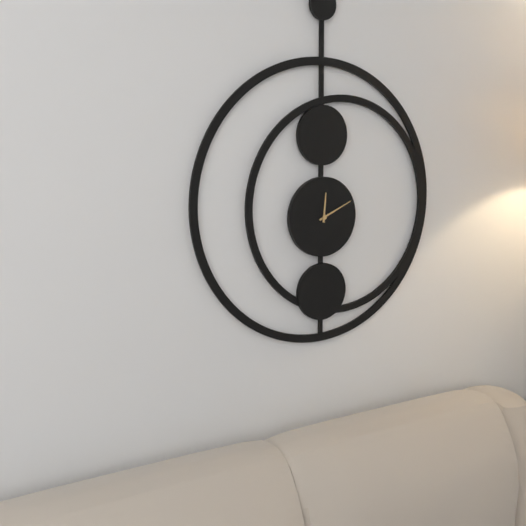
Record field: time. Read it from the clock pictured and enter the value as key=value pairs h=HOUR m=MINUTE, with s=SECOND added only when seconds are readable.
h=12 m=11
